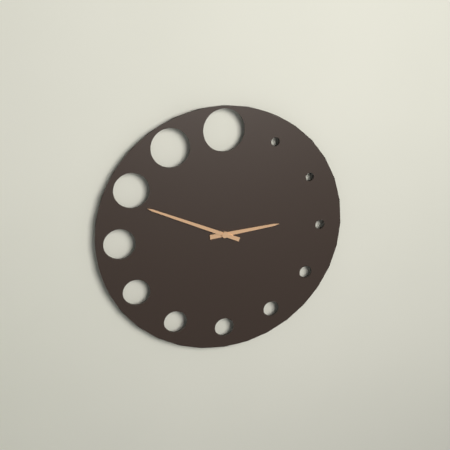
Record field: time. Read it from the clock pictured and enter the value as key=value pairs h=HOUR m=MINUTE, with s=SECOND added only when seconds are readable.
h=2 m=49
